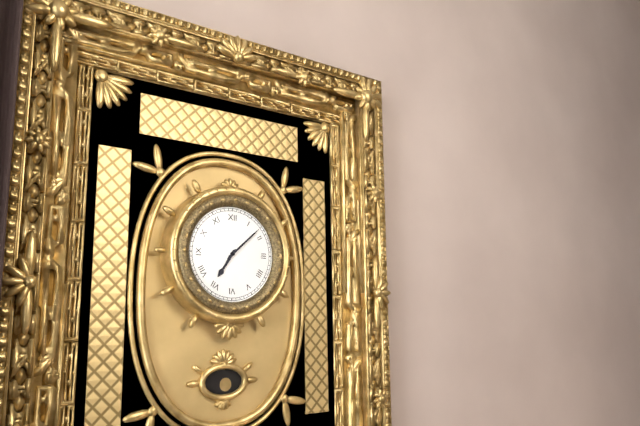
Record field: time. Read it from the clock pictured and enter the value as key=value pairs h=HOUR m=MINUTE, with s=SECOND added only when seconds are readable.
h=7 m=8
